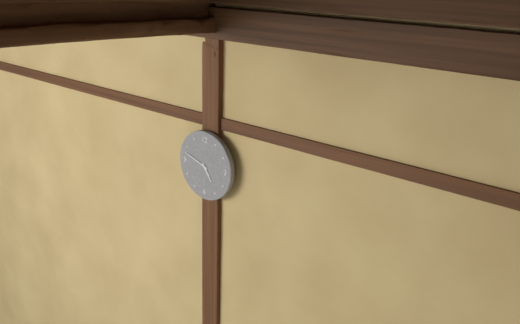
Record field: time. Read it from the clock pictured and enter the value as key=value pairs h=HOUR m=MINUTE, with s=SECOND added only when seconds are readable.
h=4 m=48
